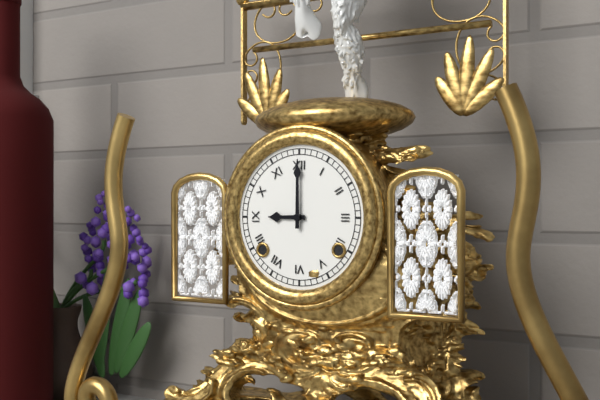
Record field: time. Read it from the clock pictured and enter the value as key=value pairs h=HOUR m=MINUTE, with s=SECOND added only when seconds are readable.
h=9 m=0
